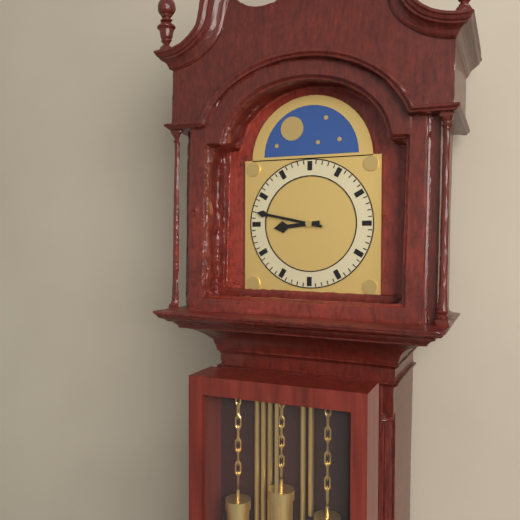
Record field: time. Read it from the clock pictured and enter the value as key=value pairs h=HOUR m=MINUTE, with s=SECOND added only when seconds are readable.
h=8 m=47
